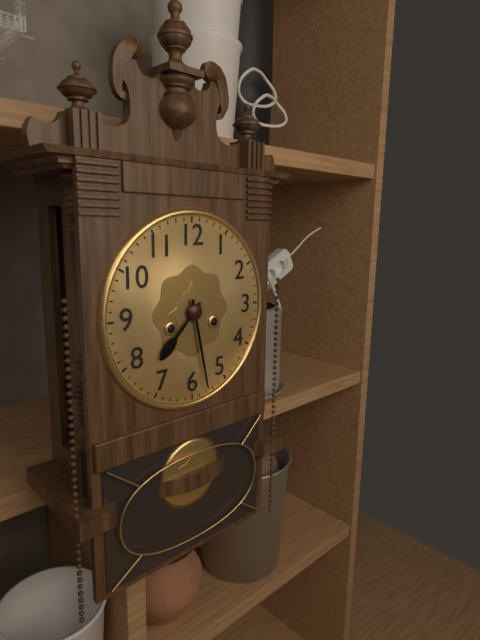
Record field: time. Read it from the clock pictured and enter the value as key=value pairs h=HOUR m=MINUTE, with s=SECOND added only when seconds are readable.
h=7 m=28
